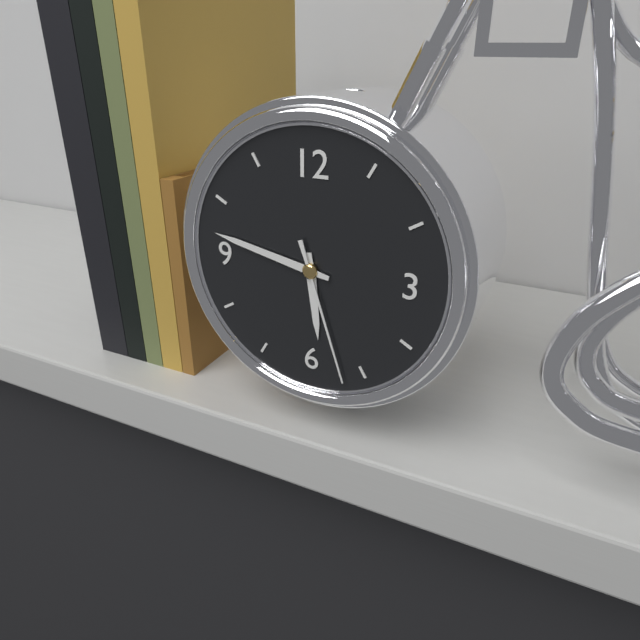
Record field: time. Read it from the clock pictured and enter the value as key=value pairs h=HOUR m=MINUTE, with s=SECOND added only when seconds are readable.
h=5 m=47 s=27
